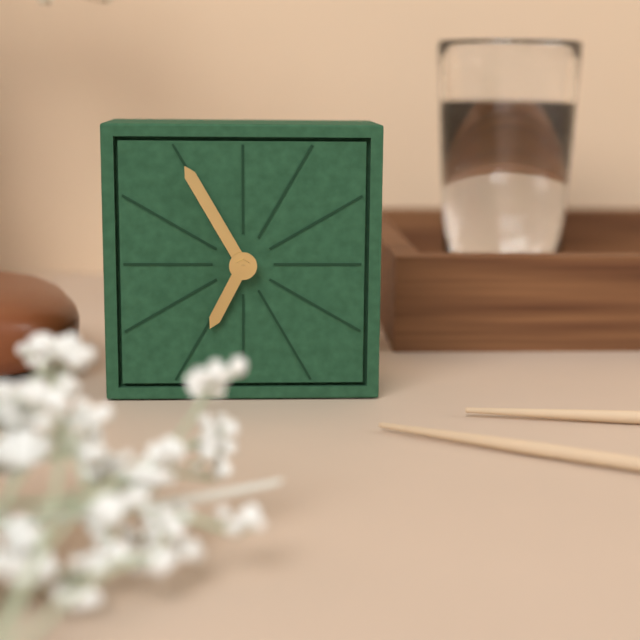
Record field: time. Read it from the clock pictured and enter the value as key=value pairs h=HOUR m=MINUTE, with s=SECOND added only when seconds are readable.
h=6 m=55
